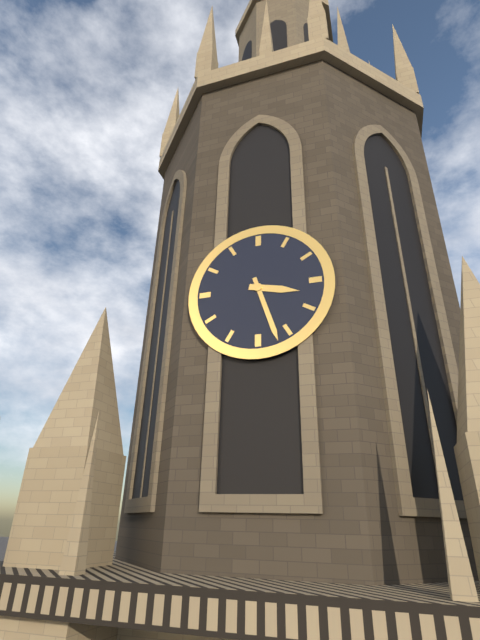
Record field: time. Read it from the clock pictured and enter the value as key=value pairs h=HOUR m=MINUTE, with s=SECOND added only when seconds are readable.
h=3 m=27
